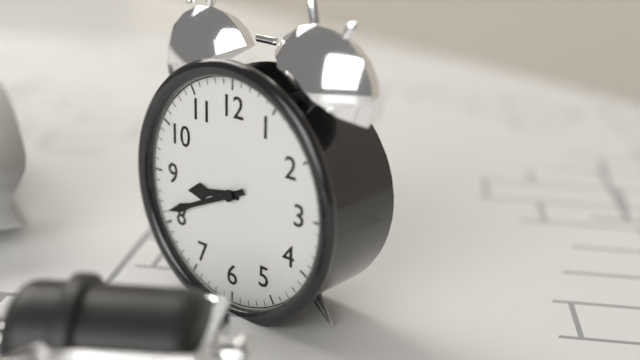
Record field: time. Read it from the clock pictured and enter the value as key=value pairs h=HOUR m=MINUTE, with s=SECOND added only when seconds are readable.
h=8 m=41
